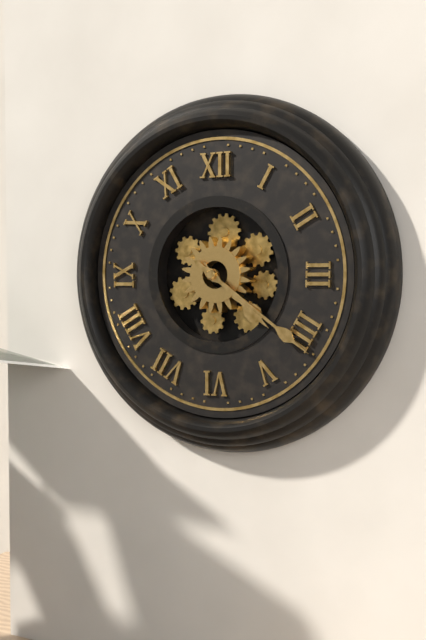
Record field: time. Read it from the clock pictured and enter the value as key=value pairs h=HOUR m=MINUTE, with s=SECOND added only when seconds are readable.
h=4 m=21
